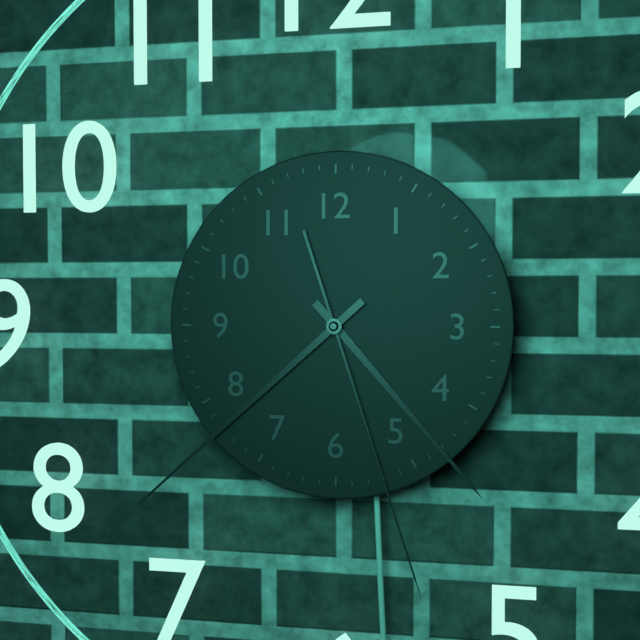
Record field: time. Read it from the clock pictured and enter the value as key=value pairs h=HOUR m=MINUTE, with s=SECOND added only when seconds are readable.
h=4 m=38 s=27
